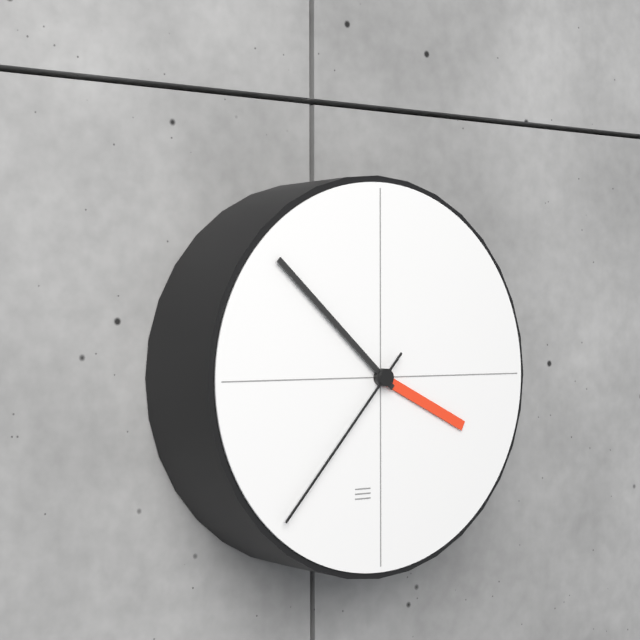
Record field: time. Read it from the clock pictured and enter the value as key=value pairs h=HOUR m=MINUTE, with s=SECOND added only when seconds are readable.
h=3 m=52 s=37
